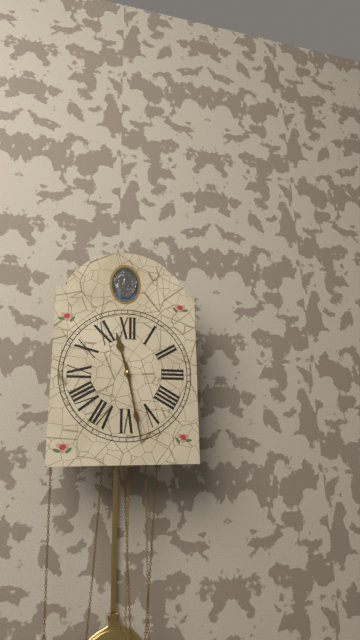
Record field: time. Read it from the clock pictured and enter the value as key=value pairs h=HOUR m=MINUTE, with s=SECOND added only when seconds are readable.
h=11 m=28
